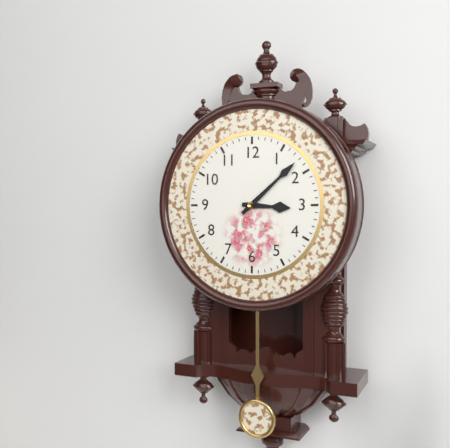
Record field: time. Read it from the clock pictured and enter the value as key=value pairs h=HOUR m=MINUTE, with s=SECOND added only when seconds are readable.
h=3 m=8
